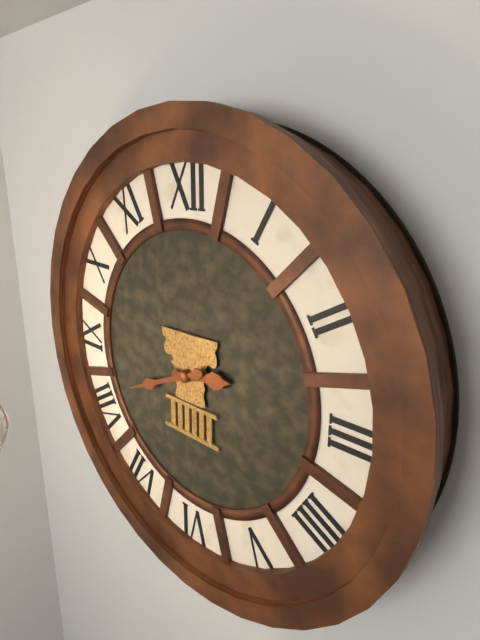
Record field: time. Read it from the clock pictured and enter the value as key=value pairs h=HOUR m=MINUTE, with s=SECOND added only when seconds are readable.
h=2 m=41
